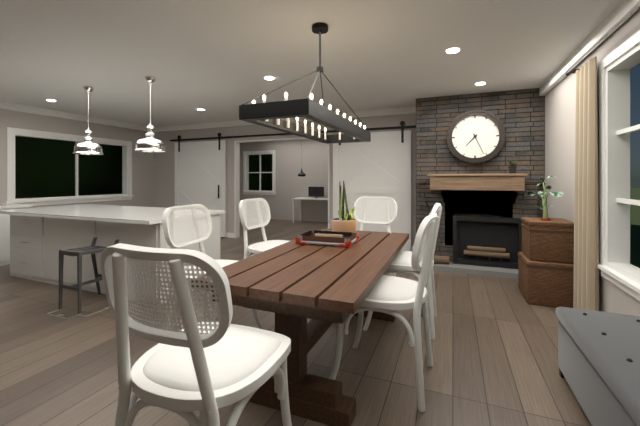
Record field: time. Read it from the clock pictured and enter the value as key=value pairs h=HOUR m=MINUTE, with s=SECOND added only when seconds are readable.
h=7 m=26
